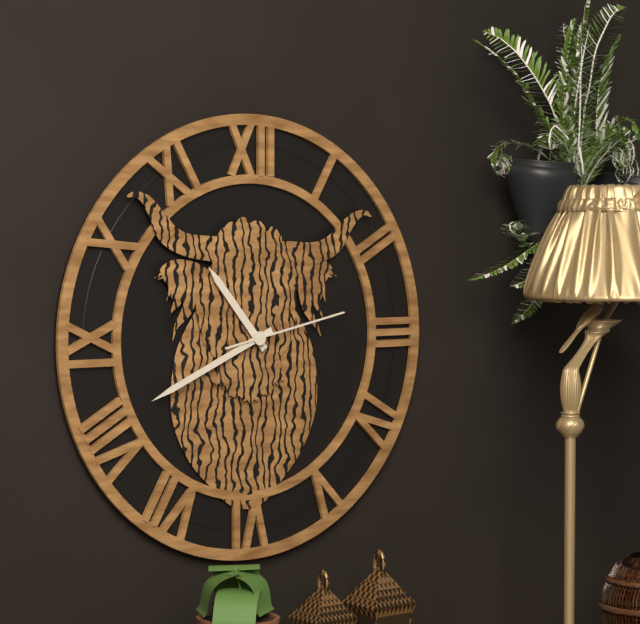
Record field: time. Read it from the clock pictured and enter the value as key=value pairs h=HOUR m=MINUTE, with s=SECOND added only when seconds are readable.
h=10 m=41 s=13
